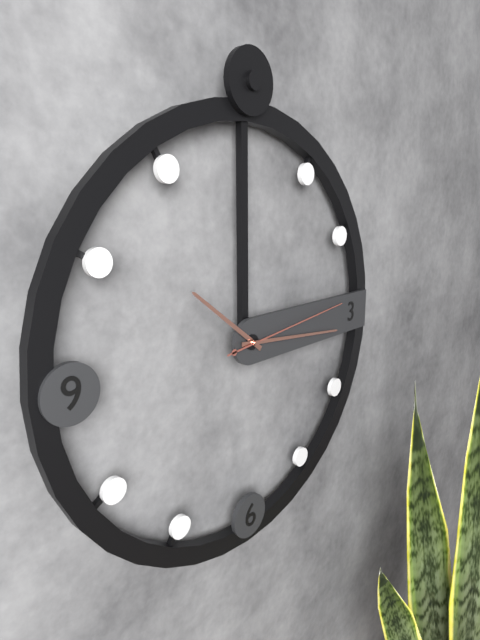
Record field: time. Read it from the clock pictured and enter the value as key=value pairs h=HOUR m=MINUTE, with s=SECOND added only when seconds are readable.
h=10 m=16 s=14
